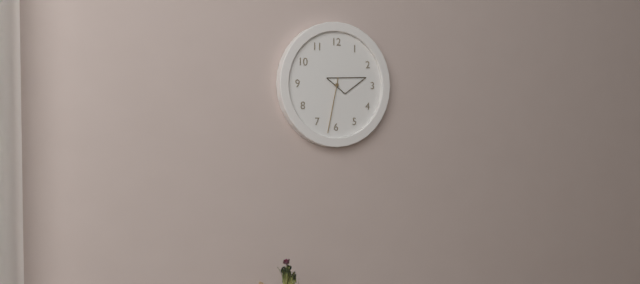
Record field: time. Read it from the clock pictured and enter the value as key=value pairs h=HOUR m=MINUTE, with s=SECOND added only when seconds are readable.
h=2 m=32
